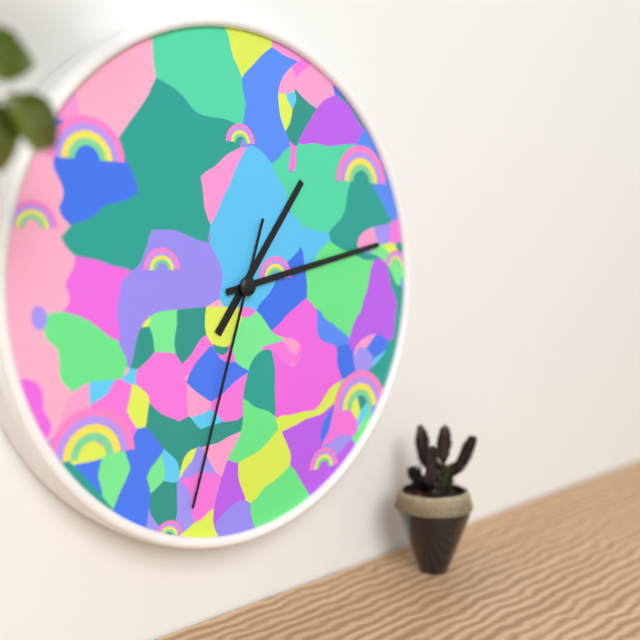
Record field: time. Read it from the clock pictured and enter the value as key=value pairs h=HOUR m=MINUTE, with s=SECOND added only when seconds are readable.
h=1 m=13 s=33
